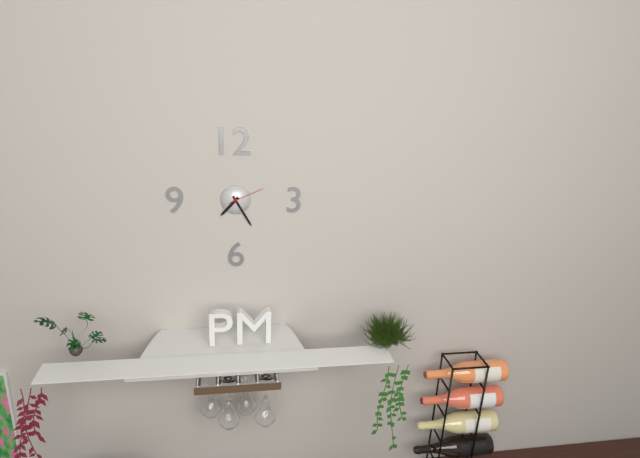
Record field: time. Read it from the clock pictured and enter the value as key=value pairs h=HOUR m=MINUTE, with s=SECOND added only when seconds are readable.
h=7 m=25
